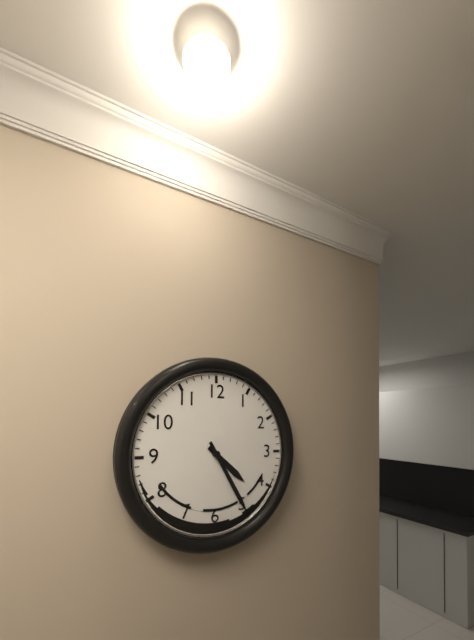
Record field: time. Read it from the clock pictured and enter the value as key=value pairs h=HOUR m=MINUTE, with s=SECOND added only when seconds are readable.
h=4 m=25
